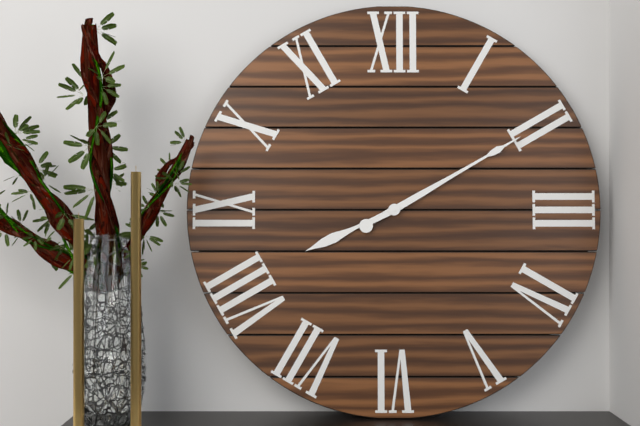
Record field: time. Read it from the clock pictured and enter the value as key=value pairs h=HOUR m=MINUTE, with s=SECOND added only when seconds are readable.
h=8 m=10
